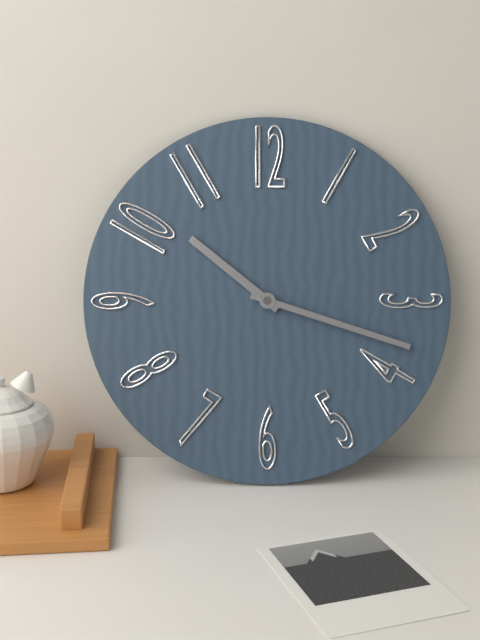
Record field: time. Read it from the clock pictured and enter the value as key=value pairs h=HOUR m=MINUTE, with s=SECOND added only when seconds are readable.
h=10 m=18
